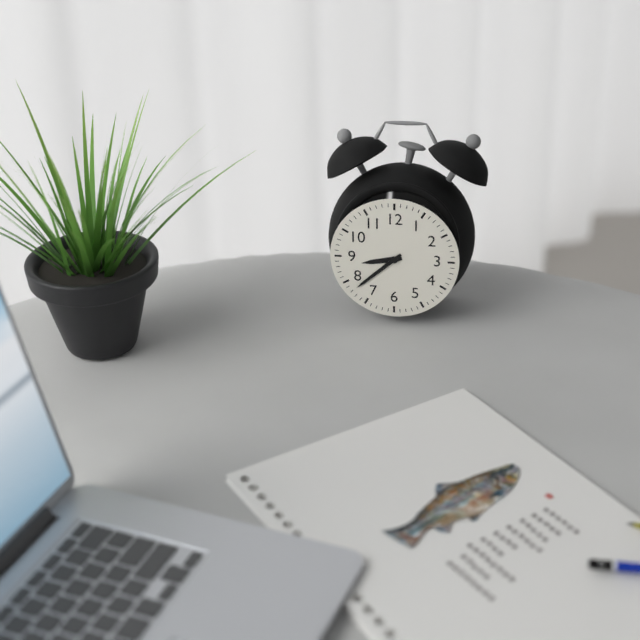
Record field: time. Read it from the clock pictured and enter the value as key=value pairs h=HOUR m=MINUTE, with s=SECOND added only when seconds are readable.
h=8 m=38
